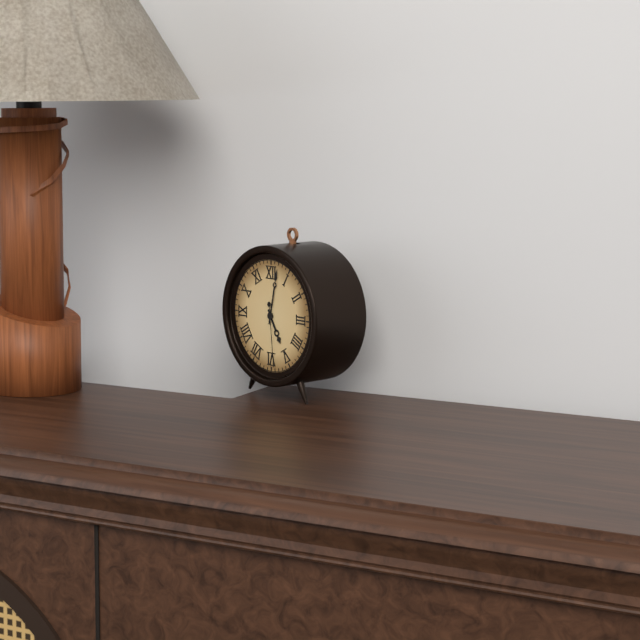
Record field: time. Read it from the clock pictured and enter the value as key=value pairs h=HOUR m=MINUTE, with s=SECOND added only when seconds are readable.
h=5 m=2 s=29
